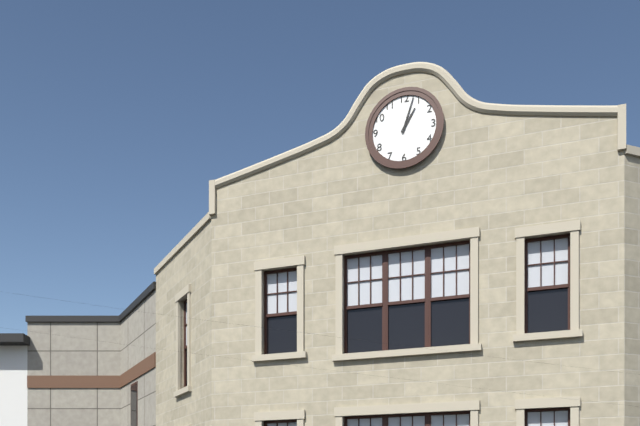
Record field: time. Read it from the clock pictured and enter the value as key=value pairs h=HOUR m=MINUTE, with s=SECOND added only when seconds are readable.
h=1 m=3
